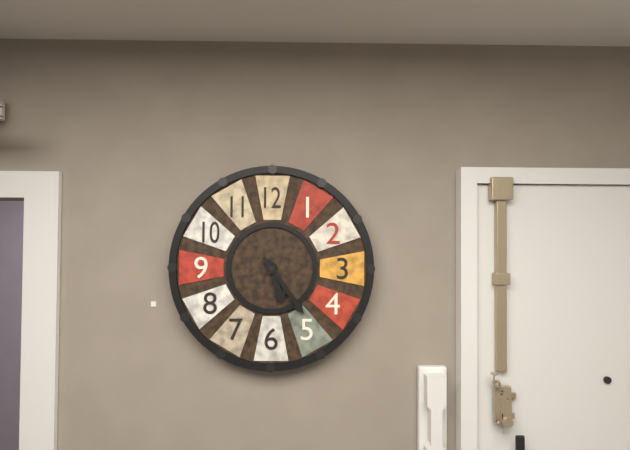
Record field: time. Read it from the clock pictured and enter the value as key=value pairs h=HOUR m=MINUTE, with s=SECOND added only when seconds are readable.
h=5 m=24
